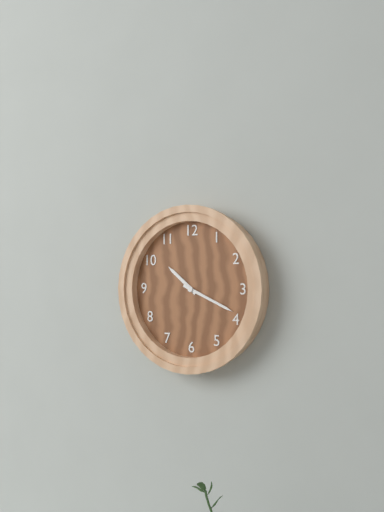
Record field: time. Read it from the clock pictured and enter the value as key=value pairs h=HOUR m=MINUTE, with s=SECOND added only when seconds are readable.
h=10 m=19
